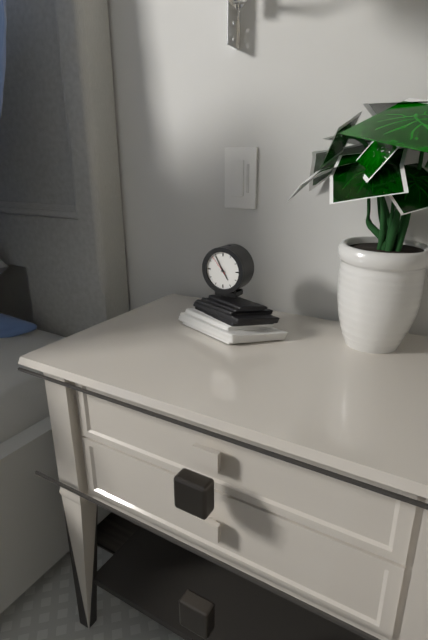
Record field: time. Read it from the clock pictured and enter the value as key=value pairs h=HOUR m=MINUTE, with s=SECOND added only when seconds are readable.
h=4 m=55
